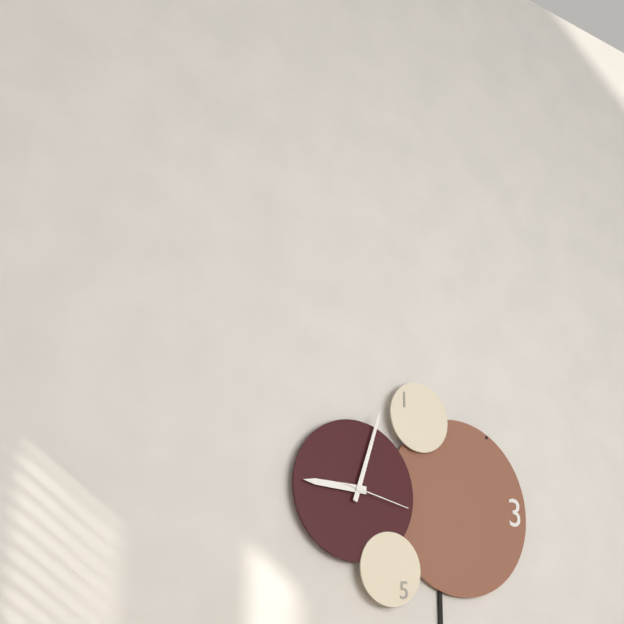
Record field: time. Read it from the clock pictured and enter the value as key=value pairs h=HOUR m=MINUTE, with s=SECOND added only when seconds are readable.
h=9 m=3 s=17
